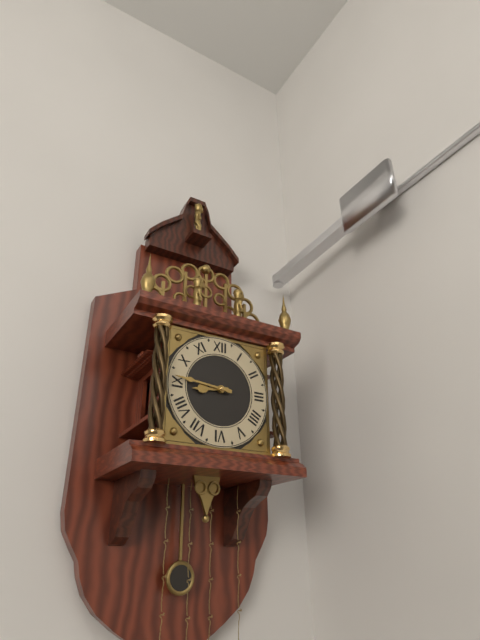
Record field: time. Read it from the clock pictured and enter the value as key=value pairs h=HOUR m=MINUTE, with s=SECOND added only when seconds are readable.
h=8 m=46
